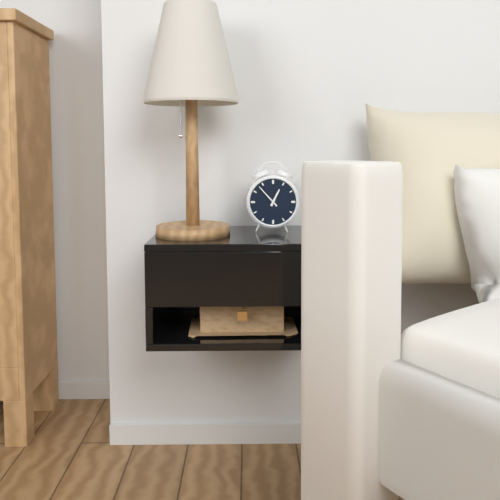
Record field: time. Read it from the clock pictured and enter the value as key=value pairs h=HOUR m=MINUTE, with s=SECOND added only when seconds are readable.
h=12 m=53
